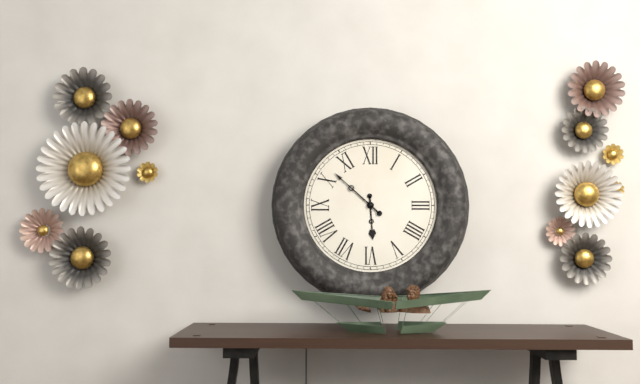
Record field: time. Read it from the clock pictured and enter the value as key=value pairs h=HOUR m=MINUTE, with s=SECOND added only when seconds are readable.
h=5 m=52
